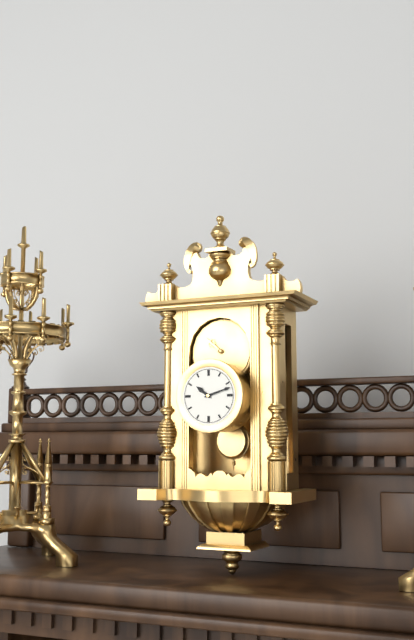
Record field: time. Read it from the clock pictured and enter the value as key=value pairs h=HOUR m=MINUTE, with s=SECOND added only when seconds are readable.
h=10 m=12
